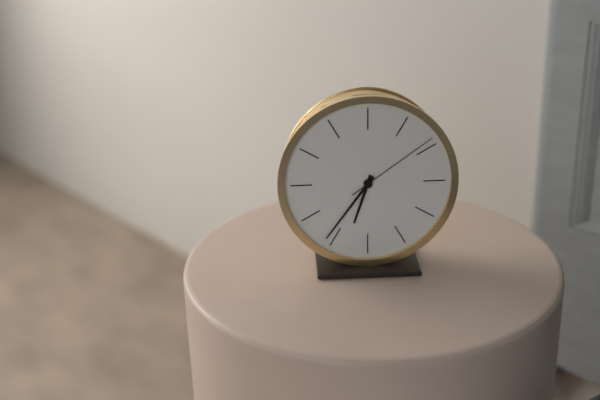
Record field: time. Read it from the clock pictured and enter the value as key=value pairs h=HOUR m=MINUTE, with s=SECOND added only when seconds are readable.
h=6 m=36 s=9
